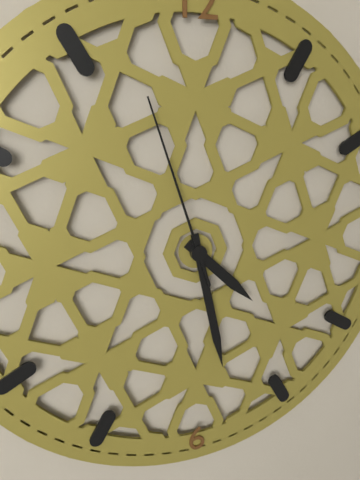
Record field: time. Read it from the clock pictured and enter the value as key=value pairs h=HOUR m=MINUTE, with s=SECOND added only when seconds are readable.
h=4 m=28 s=57
